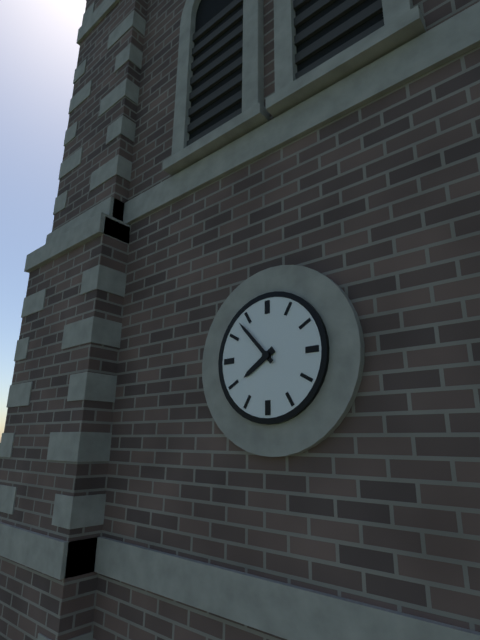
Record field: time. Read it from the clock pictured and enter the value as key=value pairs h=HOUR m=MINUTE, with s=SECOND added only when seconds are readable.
h=7 m=53
